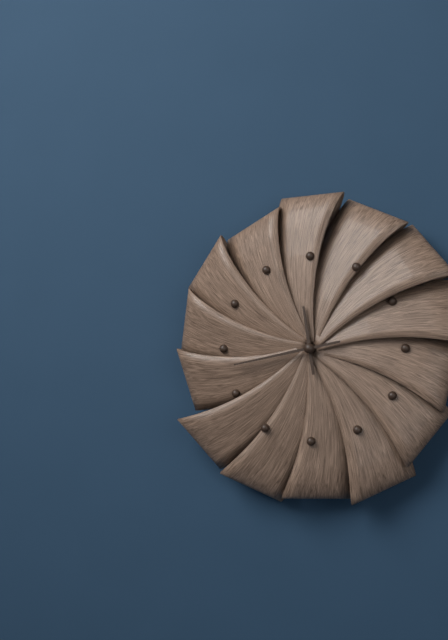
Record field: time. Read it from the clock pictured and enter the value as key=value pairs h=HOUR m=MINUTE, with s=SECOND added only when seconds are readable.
h=11 m=43
